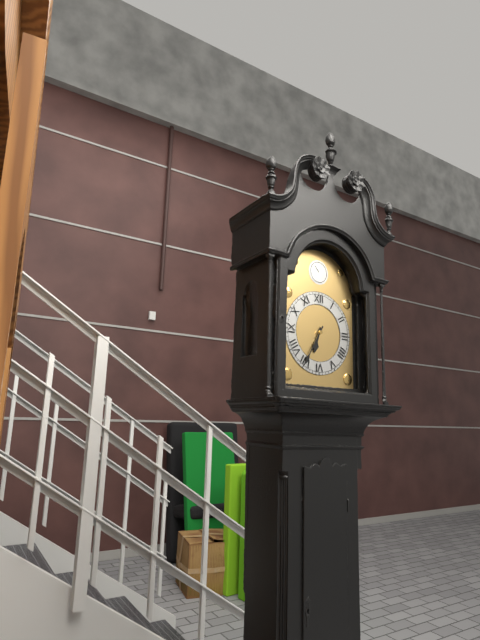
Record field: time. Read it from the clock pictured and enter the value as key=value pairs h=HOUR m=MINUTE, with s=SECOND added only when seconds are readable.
h=6 m=35
